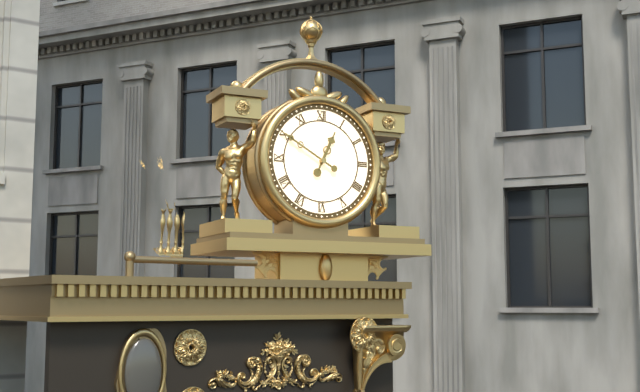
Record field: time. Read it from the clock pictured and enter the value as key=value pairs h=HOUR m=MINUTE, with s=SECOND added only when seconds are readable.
h=12 m=50
